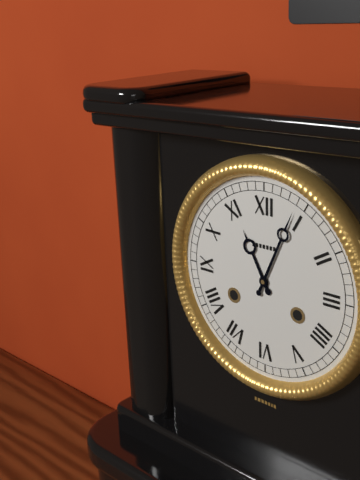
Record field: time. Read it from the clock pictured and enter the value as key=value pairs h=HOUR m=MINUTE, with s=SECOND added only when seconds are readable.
h=11 m=4
